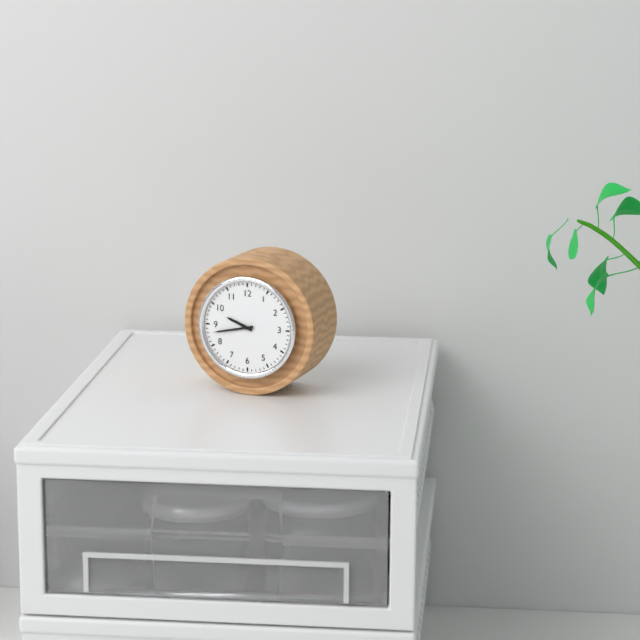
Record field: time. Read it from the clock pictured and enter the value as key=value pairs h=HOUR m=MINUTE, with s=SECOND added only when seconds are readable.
h=9 m=43
